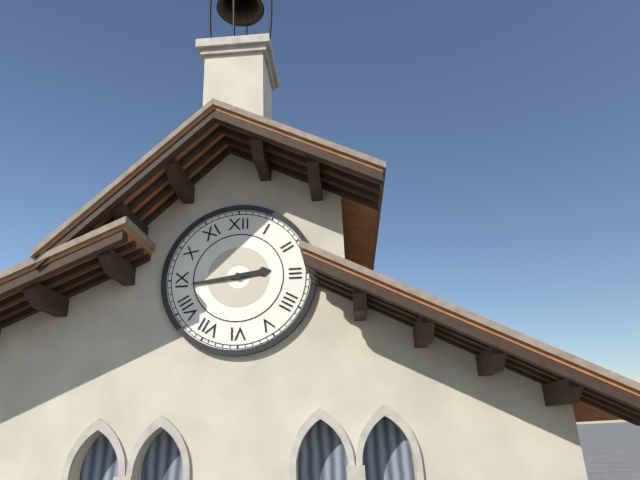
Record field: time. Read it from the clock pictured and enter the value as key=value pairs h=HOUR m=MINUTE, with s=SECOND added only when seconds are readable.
h=2 m=44
